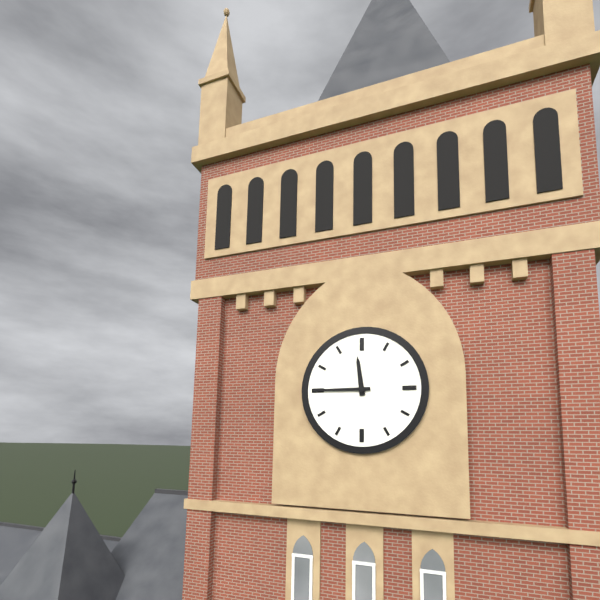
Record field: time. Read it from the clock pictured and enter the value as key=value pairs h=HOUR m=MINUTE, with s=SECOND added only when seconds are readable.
h=11 m=45
